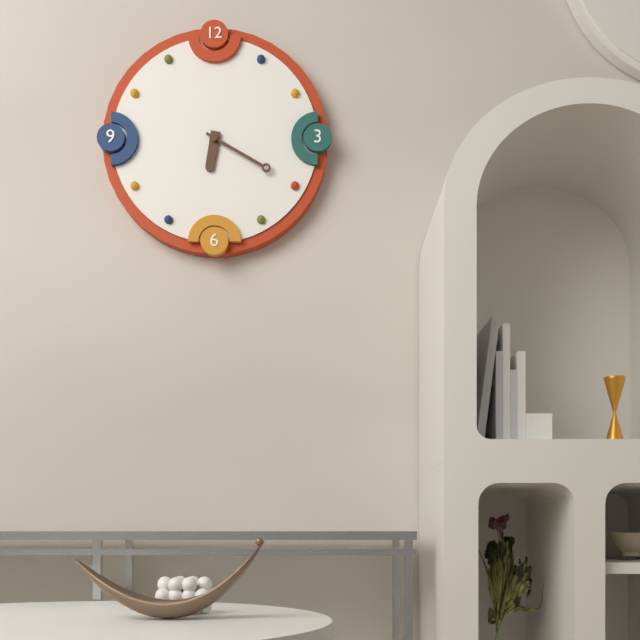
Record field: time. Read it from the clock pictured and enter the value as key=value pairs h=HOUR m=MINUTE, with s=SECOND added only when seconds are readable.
h=6 m=20
